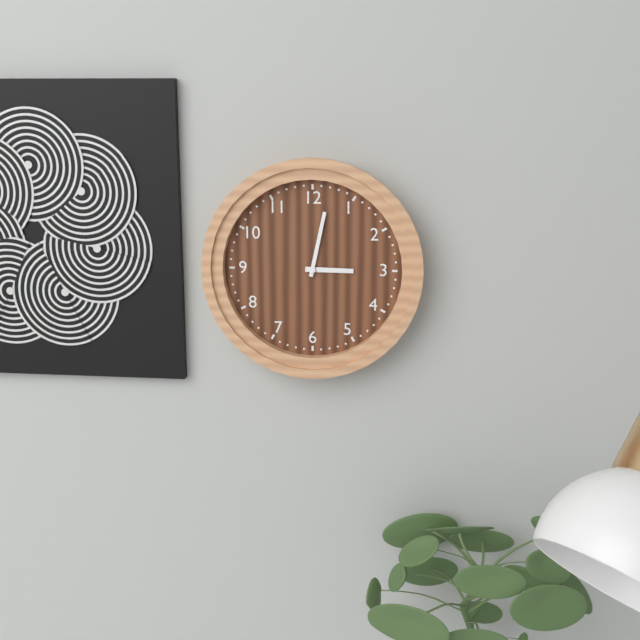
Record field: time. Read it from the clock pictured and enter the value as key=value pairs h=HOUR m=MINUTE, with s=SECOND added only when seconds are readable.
h=3 m=2
